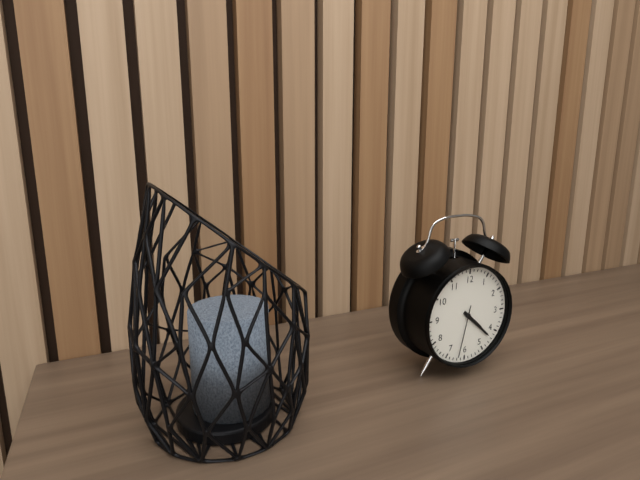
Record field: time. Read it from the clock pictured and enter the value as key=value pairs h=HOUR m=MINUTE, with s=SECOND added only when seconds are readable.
h=4 m=22 s=32
